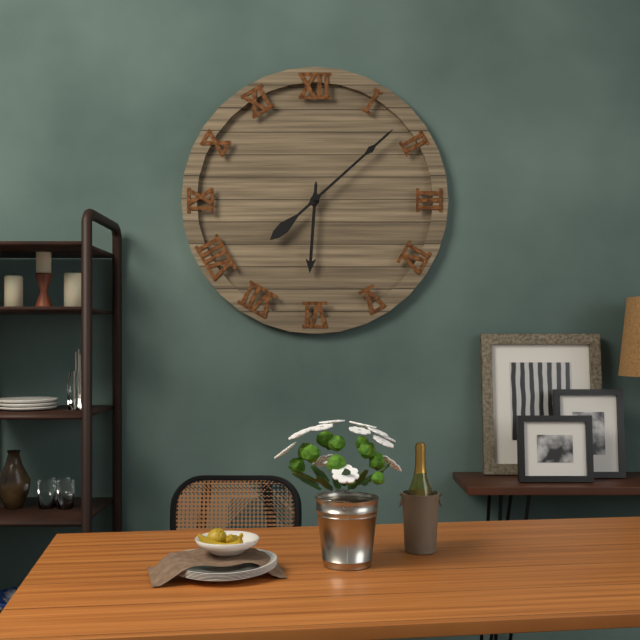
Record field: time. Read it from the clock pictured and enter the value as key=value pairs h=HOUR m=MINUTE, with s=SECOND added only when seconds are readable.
h=6 m=8
